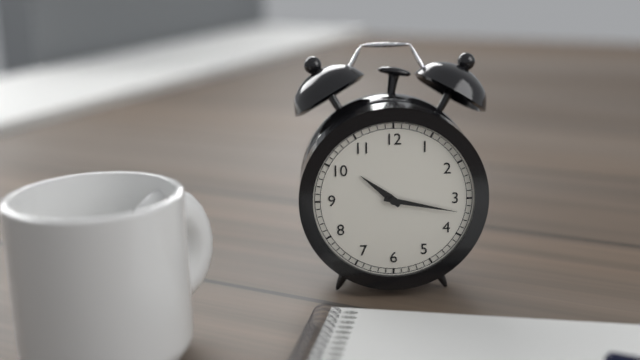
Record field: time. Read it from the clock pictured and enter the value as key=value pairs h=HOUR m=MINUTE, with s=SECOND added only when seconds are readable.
h=10 m=17
